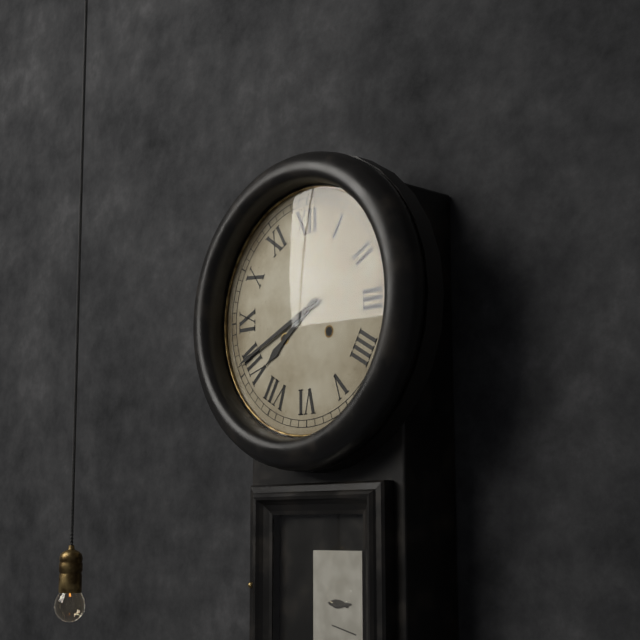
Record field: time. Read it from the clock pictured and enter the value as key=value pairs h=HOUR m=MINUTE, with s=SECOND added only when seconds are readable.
h=7 m=41
